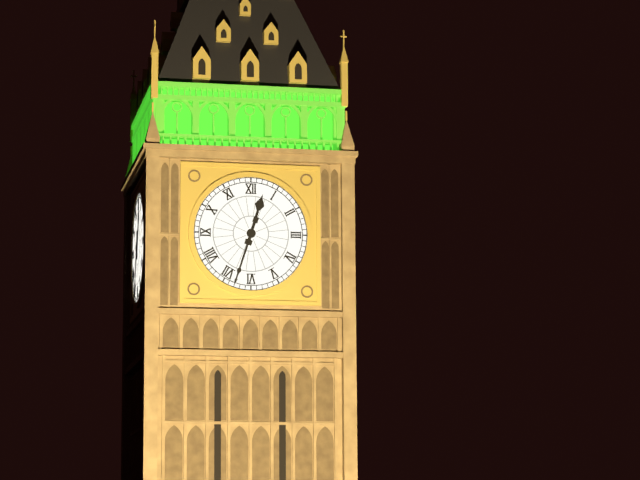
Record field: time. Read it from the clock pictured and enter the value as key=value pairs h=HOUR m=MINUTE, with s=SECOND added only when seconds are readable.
h=12 m=33
